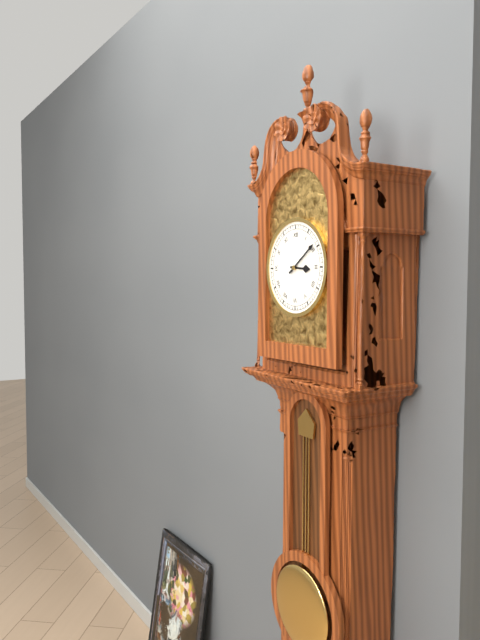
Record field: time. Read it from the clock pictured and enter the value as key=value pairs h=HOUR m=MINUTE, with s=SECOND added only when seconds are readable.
h=3 m=9
